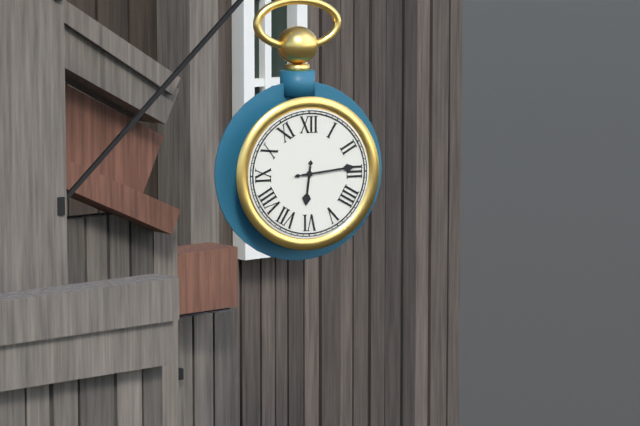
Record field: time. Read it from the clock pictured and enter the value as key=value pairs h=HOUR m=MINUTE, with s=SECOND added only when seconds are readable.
h=6 m=14
